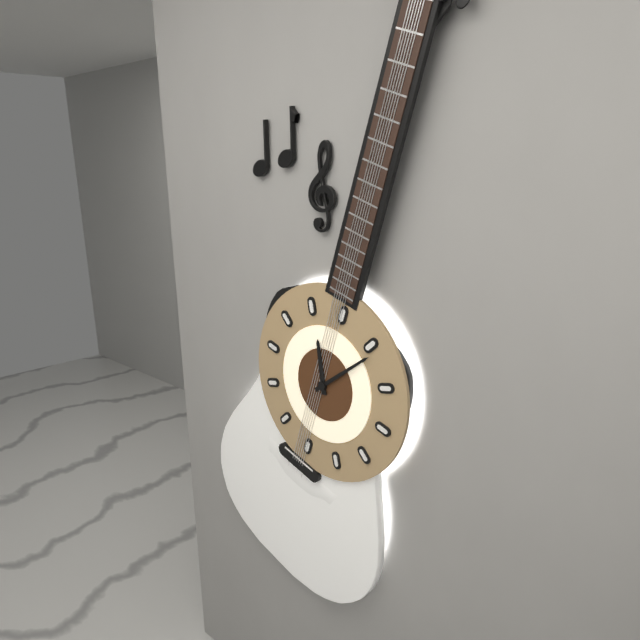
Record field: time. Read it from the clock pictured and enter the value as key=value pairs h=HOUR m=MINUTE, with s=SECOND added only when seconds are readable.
h=11 m=6
